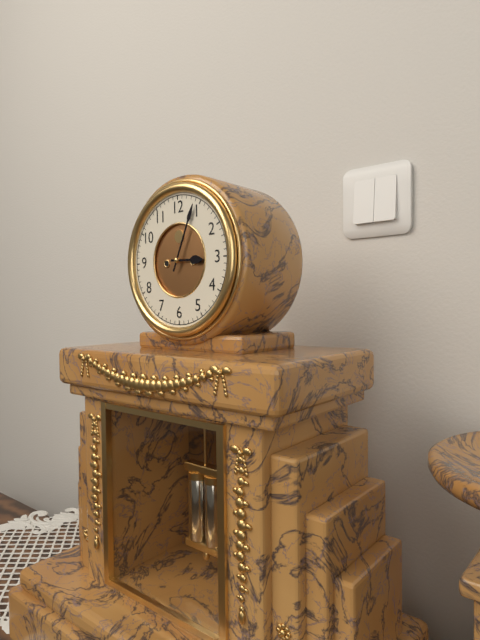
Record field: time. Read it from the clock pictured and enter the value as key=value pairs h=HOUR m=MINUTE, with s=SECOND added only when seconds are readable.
h=3 m=4
